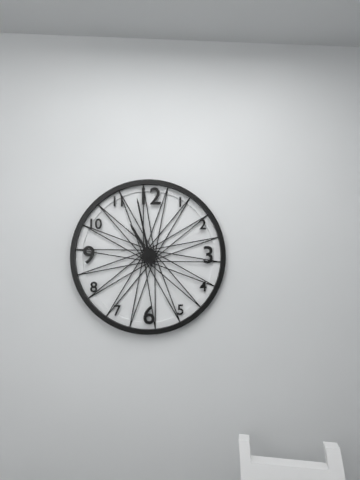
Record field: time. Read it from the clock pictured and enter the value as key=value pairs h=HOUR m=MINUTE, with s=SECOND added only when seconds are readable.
h=10 m=58
